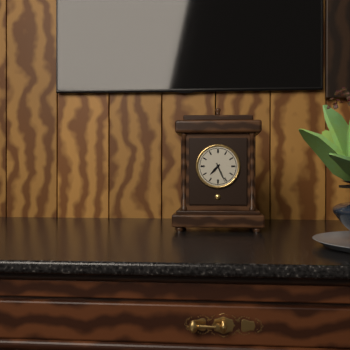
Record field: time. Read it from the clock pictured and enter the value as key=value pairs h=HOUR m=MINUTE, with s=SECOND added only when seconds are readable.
h=7 m=26
